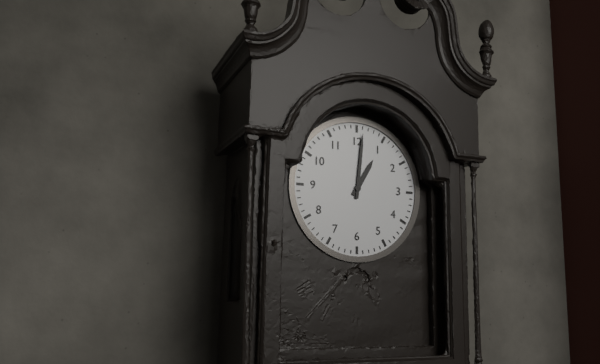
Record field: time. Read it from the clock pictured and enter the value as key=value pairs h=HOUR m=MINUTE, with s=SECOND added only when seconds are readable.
h=1 m=1
